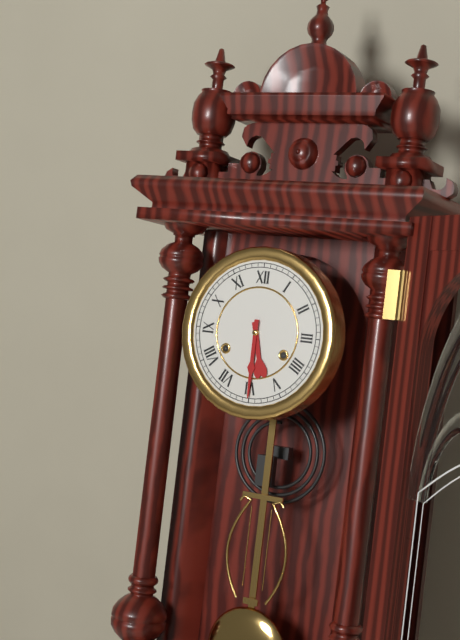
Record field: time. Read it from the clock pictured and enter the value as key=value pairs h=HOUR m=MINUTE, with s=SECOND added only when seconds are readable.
h=5 m=30
